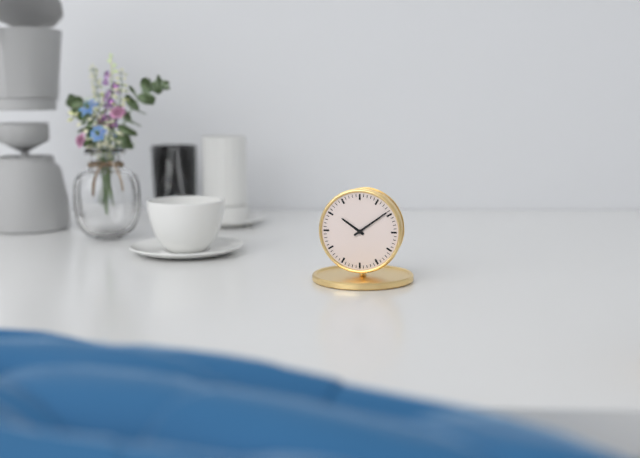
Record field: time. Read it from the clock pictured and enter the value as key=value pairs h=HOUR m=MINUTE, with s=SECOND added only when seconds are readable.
h=10 m=9
